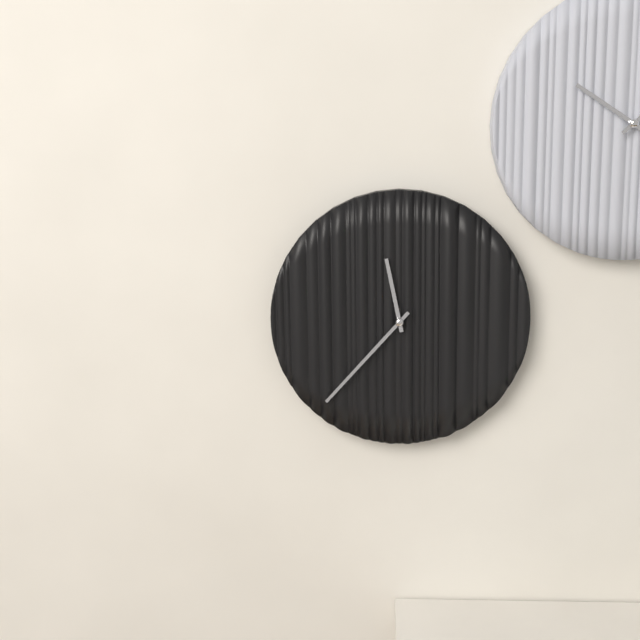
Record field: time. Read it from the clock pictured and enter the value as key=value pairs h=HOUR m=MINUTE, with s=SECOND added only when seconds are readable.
h=11 m=37
